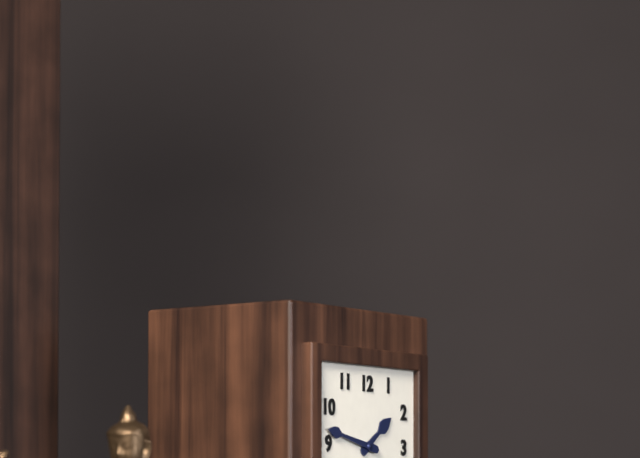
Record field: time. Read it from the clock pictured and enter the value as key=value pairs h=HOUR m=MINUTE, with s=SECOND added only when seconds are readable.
h=1 m=47
